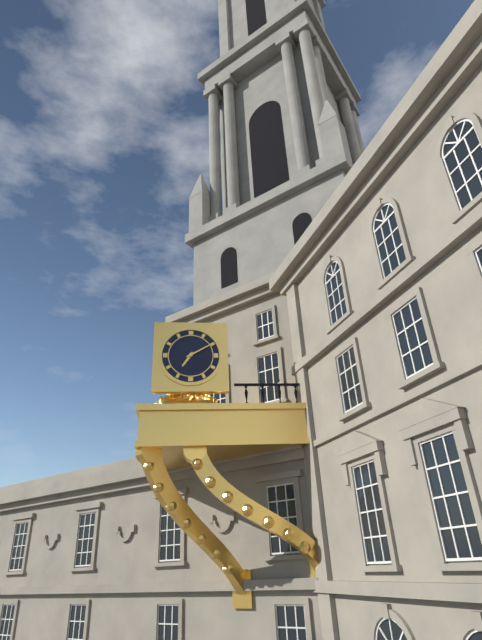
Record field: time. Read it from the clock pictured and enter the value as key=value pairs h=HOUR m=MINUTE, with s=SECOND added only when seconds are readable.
h=7 m=10
